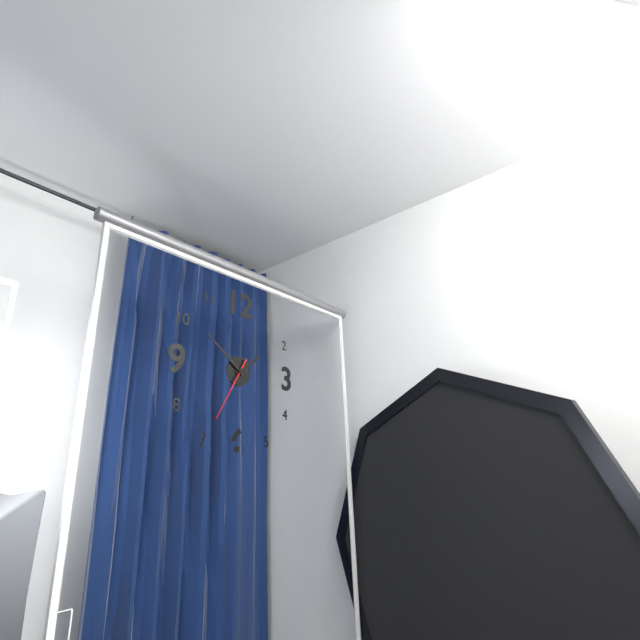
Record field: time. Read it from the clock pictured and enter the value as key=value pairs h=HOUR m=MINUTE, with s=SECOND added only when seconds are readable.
h=1 m=51 s=35
